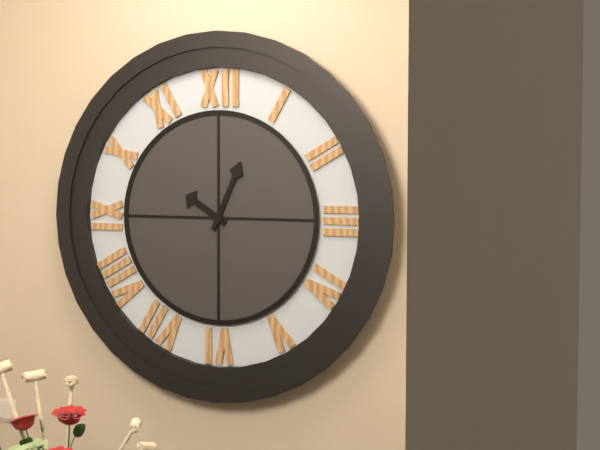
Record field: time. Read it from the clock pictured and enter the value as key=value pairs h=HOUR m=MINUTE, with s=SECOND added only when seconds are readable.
h=10 m=4
